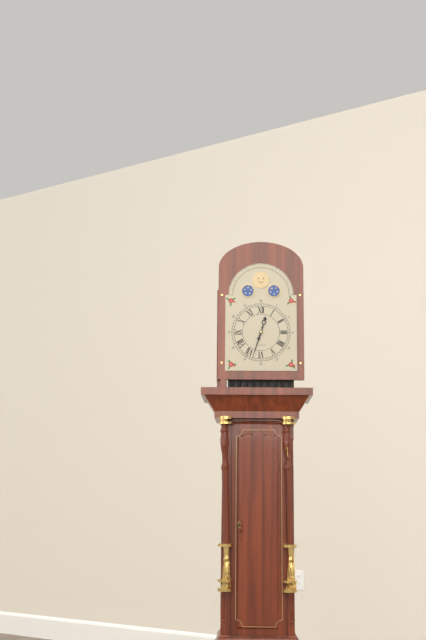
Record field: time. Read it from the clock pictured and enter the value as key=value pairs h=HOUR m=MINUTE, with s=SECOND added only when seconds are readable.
h=12 m=33
